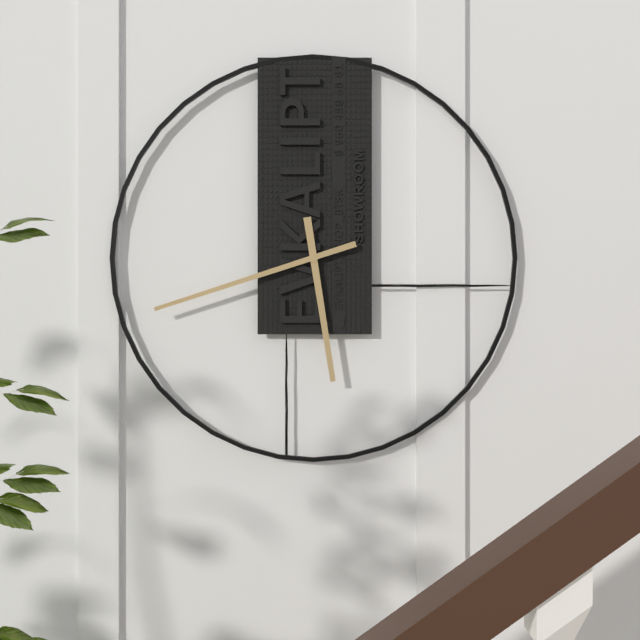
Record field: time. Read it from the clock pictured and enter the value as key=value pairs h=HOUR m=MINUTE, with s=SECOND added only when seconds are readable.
h=5 m=42
